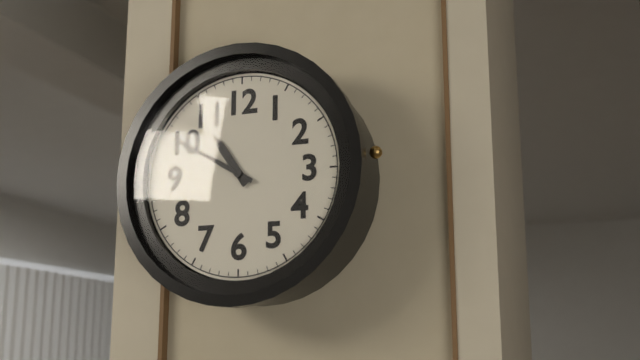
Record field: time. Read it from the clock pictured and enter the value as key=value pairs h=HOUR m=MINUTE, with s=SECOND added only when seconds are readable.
h=10 m=50
